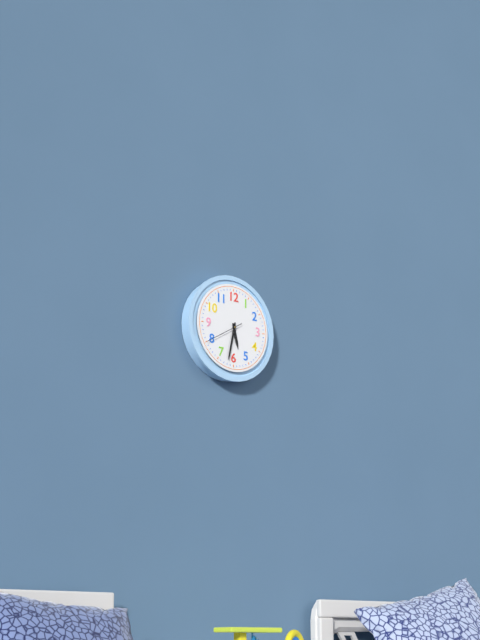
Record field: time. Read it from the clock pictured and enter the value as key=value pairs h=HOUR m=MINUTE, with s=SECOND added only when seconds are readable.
h=5 m=32
